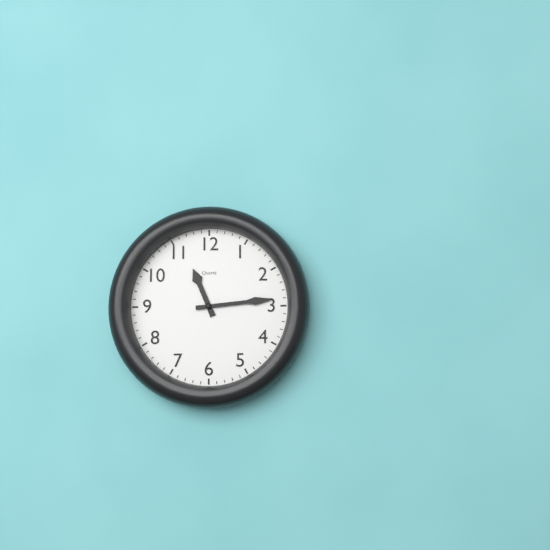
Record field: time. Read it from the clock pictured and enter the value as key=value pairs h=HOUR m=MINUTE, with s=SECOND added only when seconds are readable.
h=11 m=14
